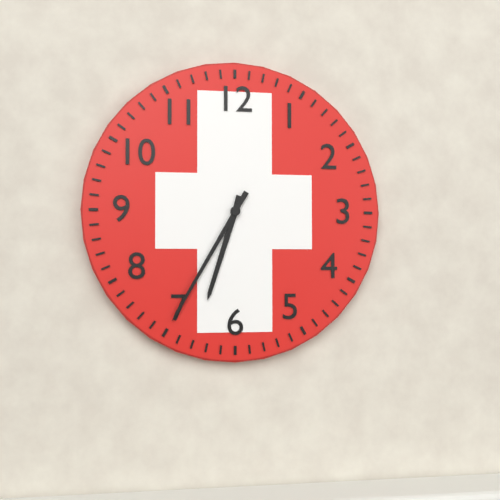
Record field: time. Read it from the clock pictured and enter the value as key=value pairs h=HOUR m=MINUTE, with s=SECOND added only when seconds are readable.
h=6 m=35
